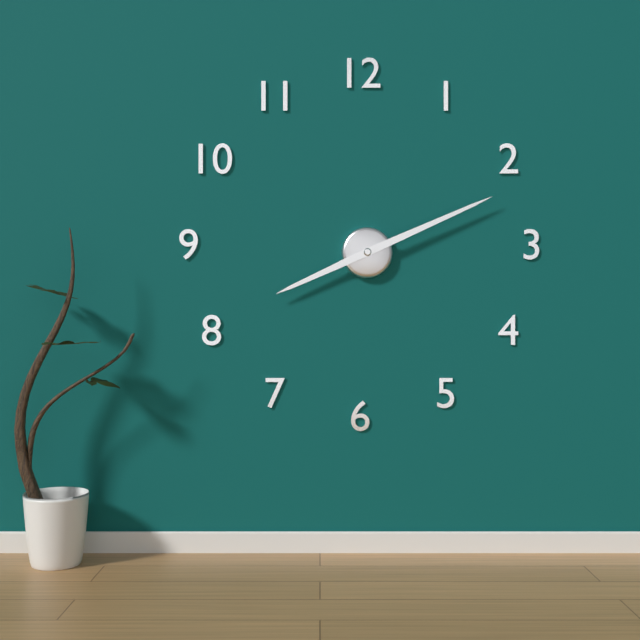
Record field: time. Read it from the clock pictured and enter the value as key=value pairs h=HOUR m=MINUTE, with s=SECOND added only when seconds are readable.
h=8 m=11
